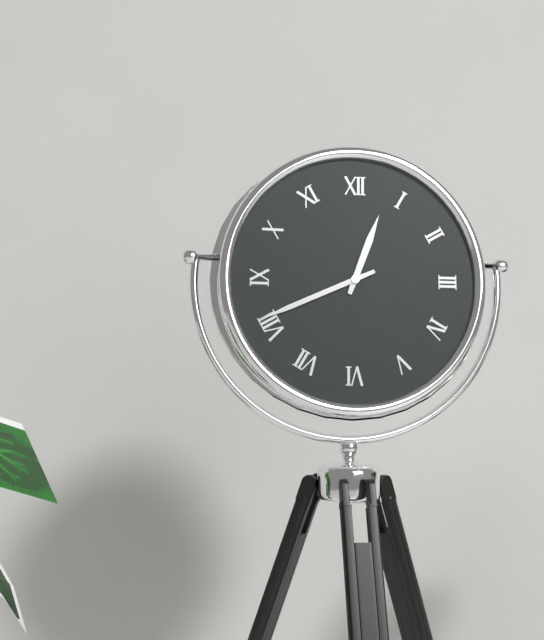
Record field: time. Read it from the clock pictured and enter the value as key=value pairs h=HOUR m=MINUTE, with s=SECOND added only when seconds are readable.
h=12 m=41
